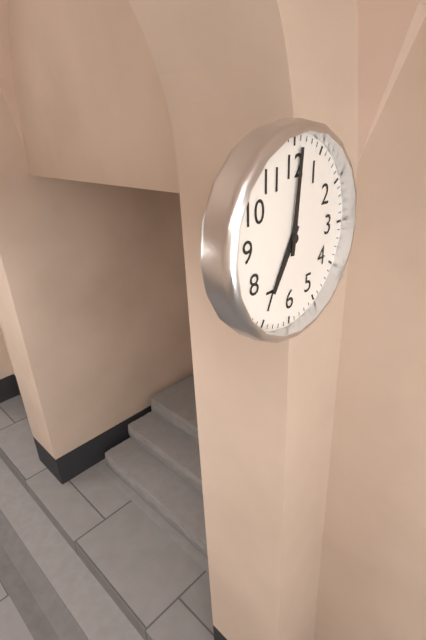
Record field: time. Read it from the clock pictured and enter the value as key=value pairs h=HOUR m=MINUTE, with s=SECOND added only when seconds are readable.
h=7 m=1
